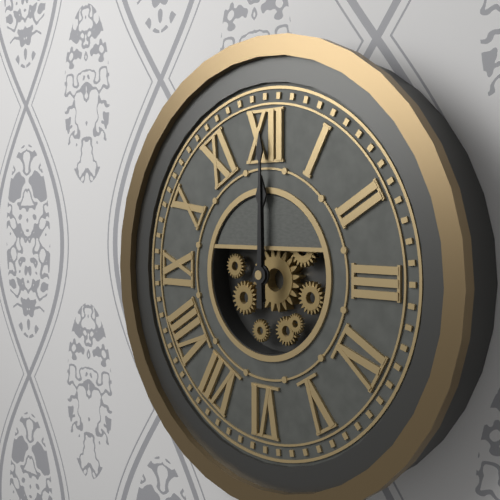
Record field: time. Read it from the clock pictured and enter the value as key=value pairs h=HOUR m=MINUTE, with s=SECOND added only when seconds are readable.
h=12 m=0
